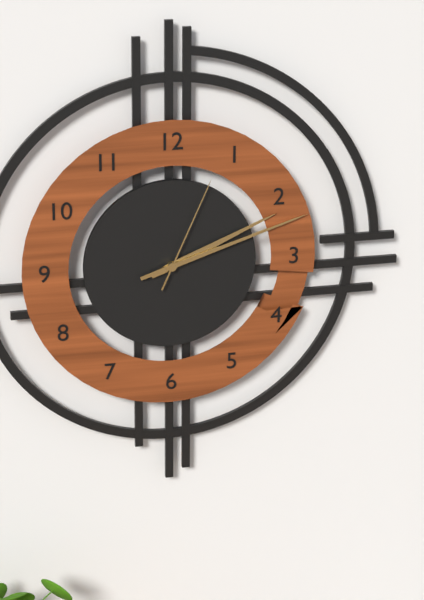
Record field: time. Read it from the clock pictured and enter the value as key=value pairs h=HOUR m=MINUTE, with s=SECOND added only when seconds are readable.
h=2 m=12 s=4
